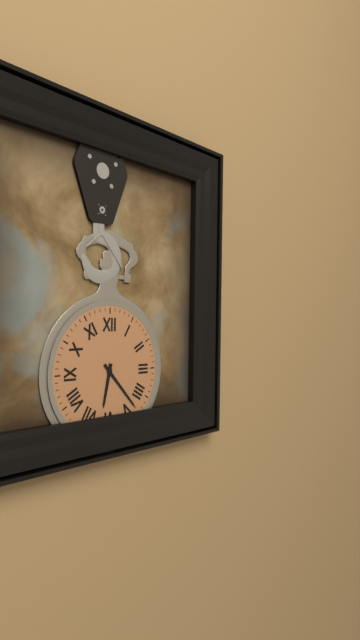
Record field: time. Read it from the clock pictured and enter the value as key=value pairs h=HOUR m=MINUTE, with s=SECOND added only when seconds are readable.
h=6 m=23
